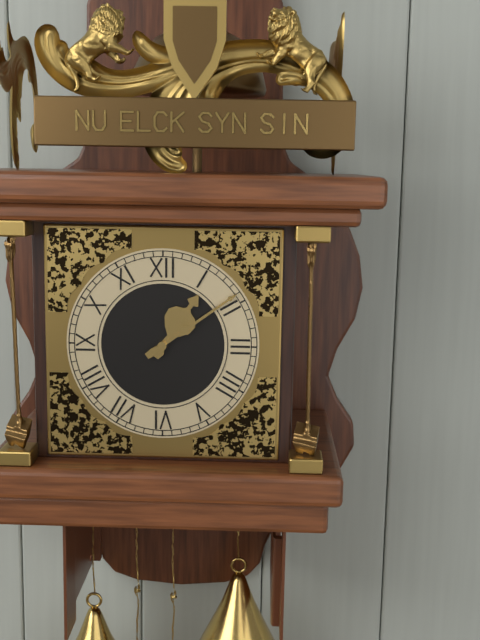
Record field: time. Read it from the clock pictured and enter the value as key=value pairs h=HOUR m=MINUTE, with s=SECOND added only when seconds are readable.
h=1 m=9
